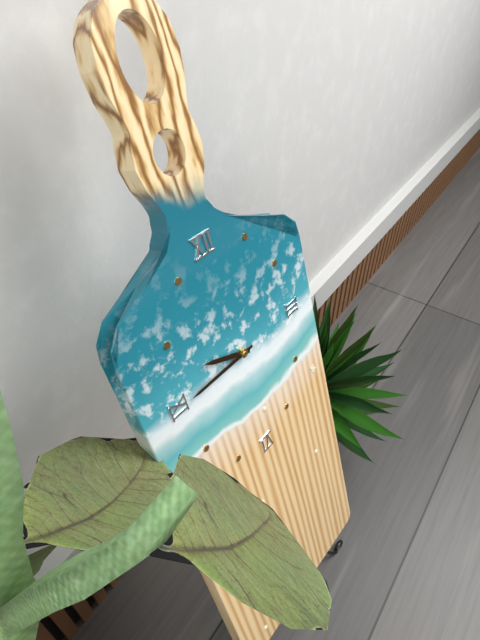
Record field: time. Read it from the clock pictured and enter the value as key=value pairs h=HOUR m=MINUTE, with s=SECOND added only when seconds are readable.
h=9 m=45
